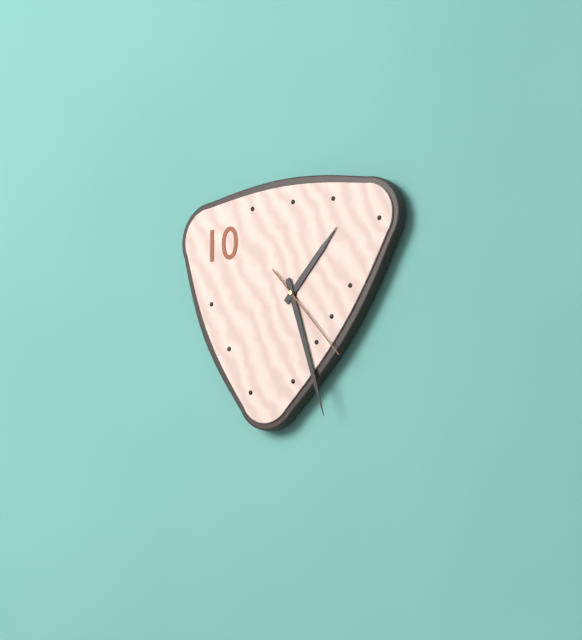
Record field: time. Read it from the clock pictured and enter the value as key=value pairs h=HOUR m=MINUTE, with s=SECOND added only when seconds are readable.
h=1 m=27 s=23
